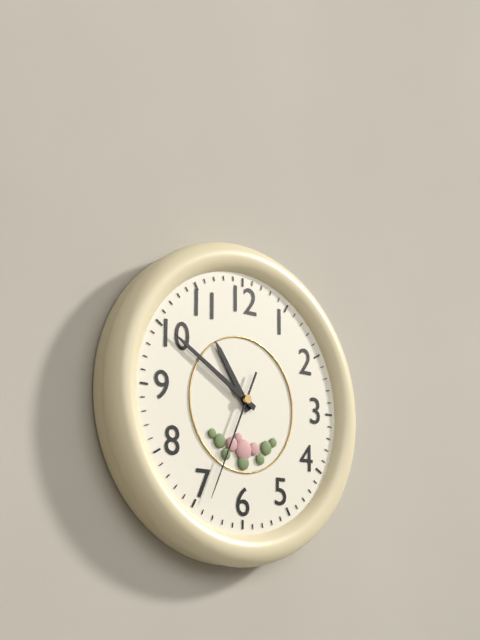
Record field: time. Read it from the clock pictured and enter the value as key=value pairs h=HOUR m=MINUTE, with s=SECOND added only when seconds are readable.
h=10 m=50 s=34
